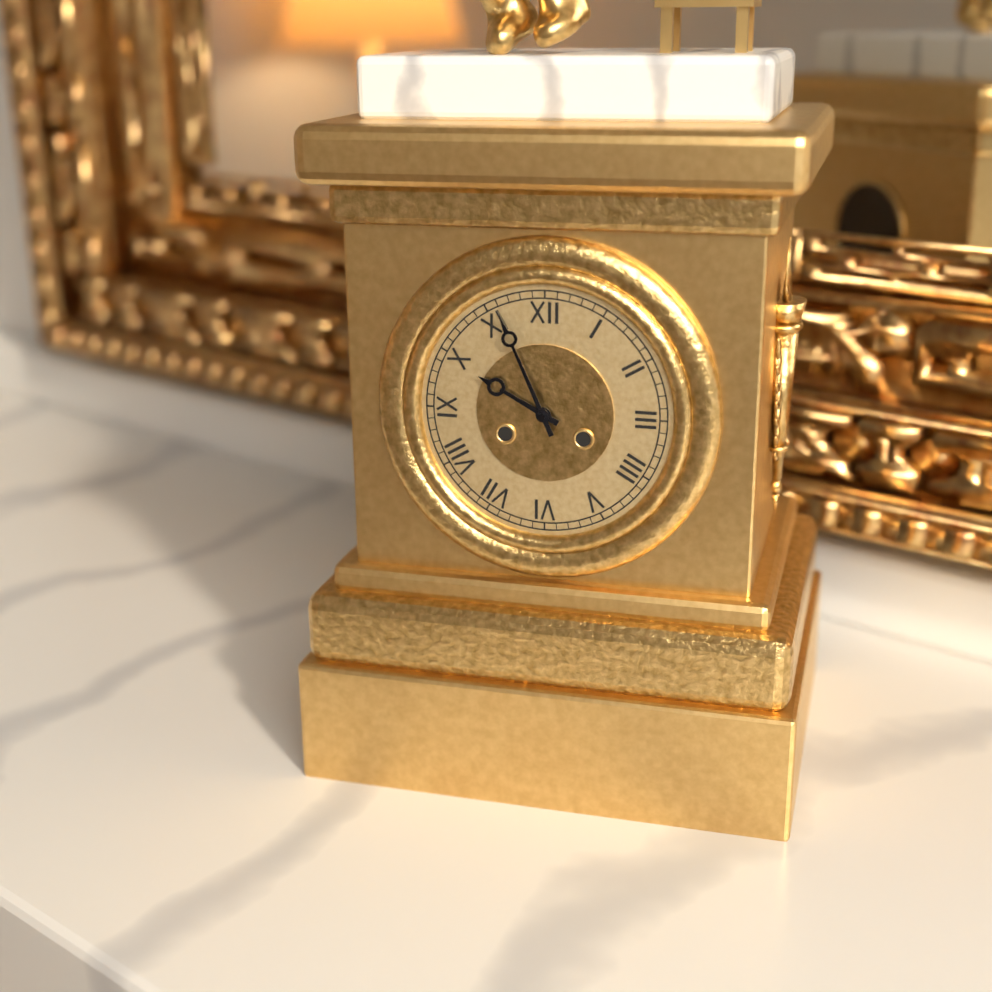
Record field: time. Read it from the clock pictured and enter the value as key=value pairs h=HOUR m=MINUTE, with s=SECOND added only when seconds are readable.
h=9 m=56
